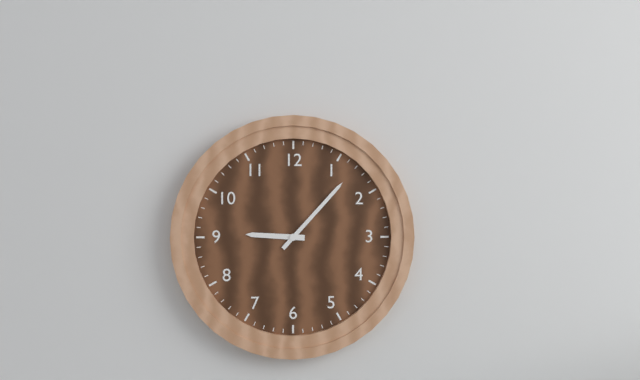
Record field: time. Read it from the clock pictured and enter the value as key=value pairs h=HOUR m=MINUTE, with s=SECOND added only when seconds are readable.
h=9 m=7
